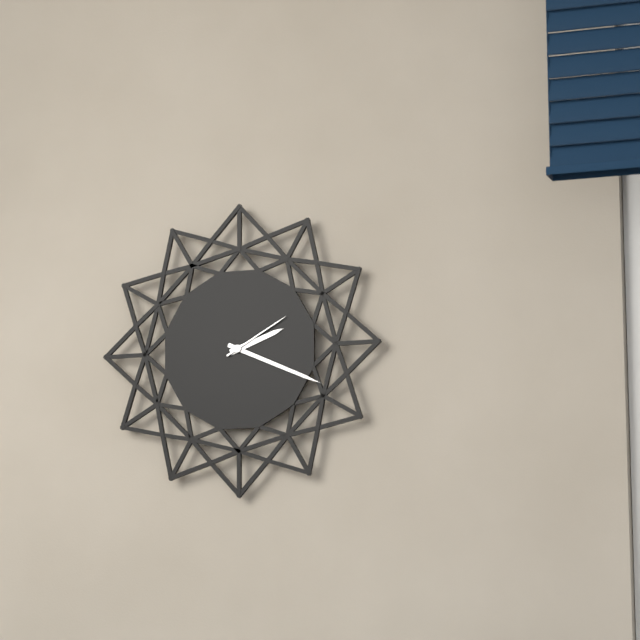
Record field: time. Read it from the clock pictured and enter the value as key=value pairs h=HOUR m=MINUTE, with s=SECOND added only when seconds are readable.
h=2 m=19 s=10
